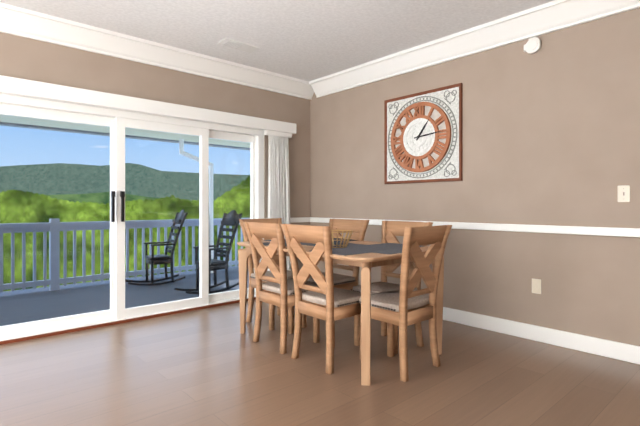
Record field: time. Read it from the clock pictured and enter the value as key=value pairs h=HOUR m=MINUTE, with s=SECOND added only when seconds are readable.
h=1 m=14
